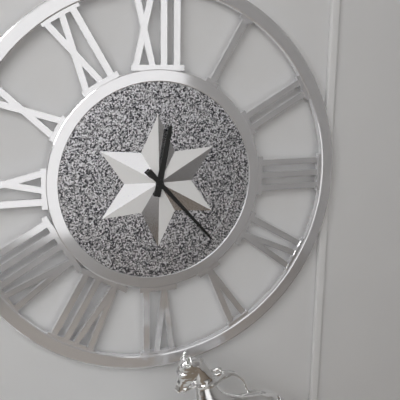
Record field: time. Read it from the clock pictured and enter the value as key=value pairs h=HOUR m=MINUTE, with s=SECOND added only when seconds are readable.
h=12 m=23
